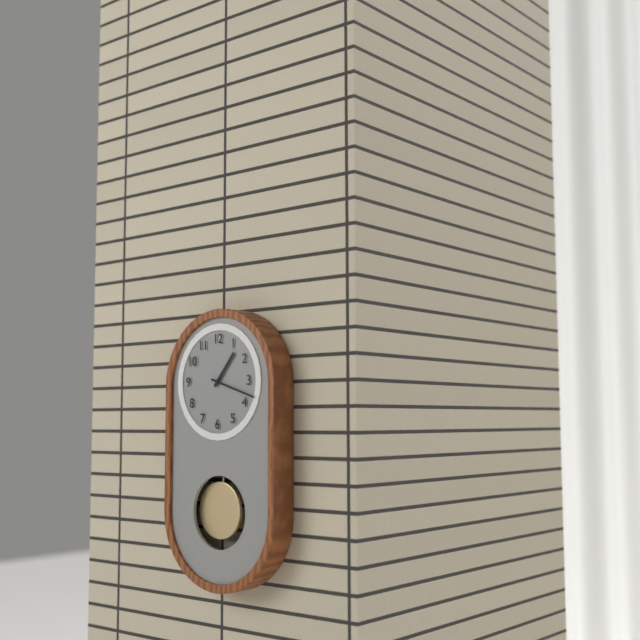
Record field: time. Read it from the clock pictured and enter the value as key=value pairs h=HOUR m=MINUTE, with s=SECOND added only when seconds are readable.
h=1 m=18
